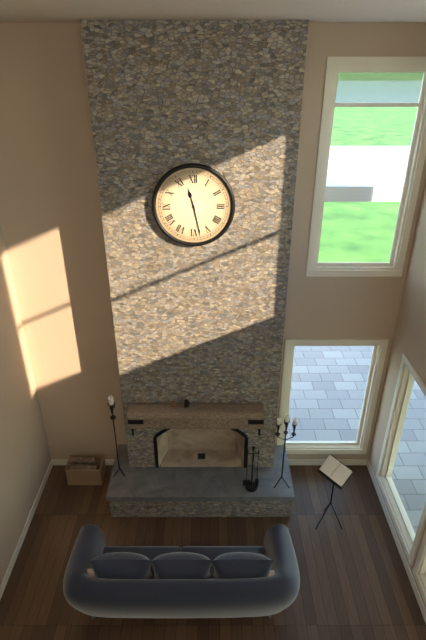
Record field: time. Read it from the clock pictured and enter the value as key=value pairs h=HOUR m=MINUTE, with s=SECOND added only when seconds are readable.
h=11 m=28
